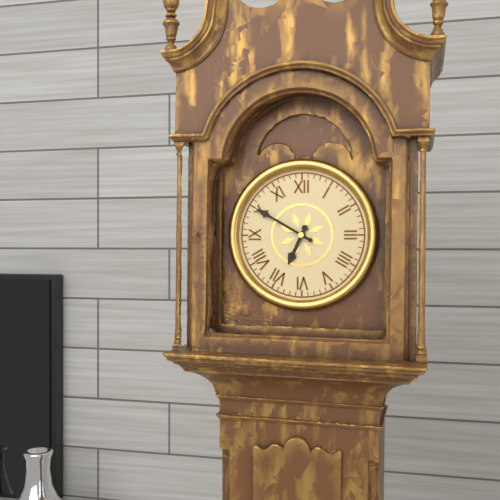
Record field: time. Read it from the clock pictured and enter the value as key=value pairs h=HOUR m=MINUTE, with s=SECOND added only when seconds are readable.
h=6 m=50
